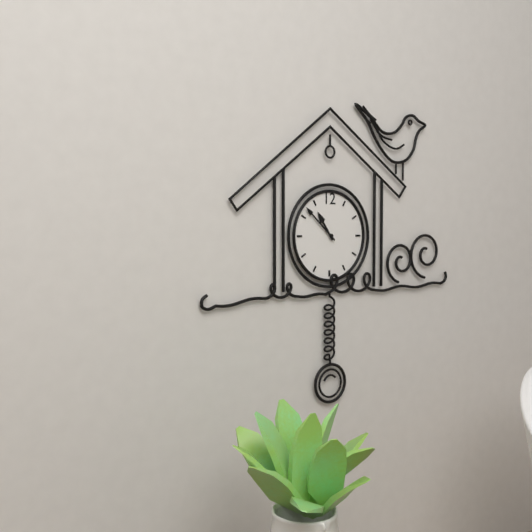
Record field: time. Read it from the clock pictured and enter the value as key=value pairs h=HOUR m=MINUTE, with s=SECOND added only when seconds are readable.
h=10 m=52
